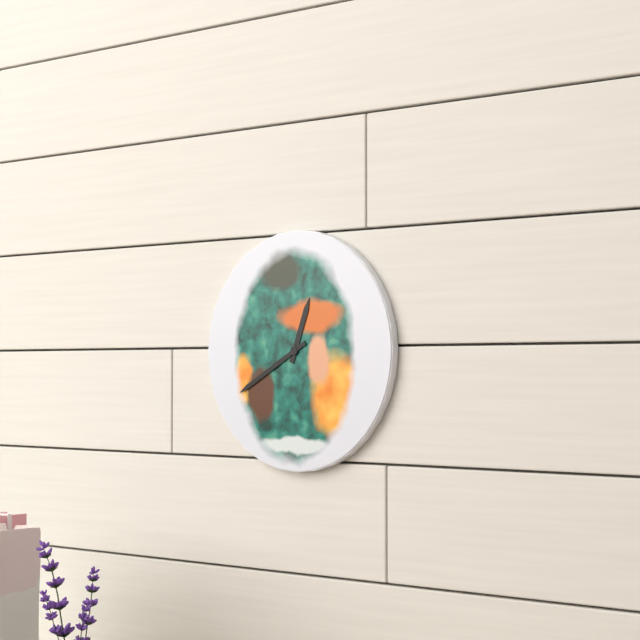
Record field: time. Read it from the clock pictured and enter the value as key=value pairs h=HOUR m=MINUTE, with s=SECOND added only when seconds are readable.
h=12 m=40
